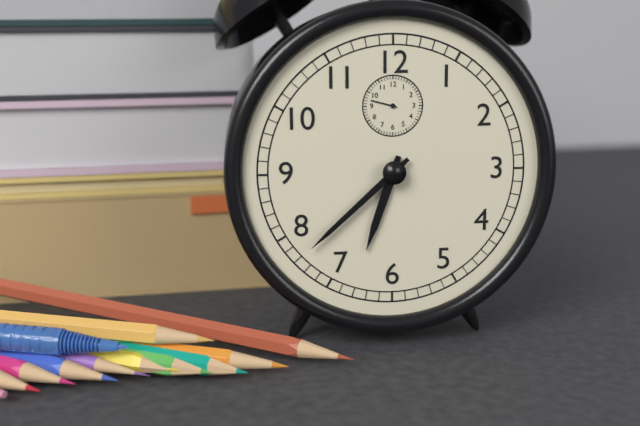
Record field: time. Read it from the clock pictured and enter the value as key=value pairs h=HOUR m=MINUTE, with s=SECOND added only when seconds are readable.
h=6 m=38
